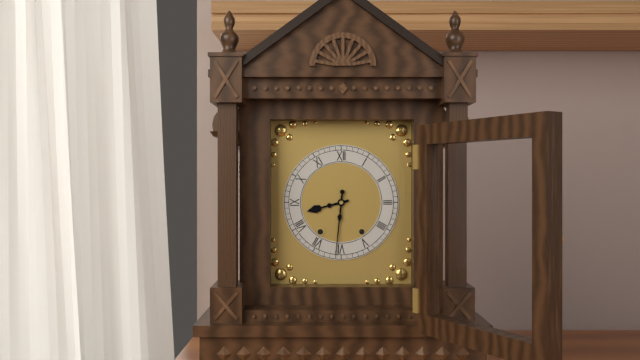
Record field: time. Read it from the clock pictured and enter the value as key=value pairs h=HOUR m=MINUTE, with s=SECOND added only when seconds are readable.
h=8 m=31
